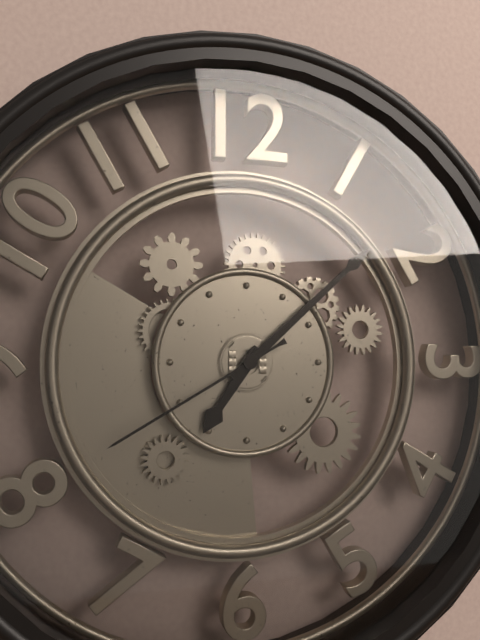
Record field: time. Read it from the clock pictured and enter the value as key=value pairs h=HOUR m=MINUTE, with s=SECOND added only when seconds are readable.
h=7 m=8 s=40
